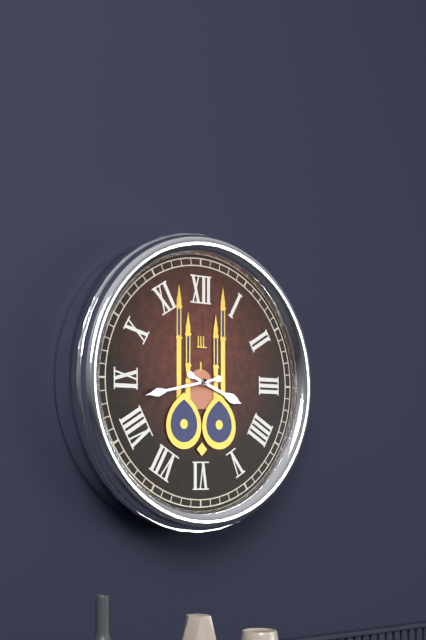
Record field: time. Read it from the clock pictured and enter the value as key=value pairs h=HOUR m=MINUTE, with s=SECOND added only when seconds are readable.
h=3 m=43
